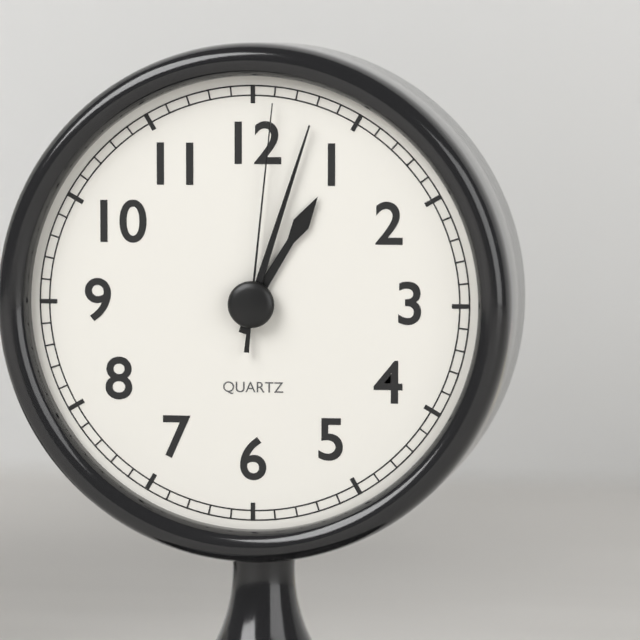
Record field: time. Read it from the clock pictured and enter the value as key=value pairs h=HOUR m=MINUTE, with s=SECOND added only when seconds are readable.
h=1 m=3 s=1
